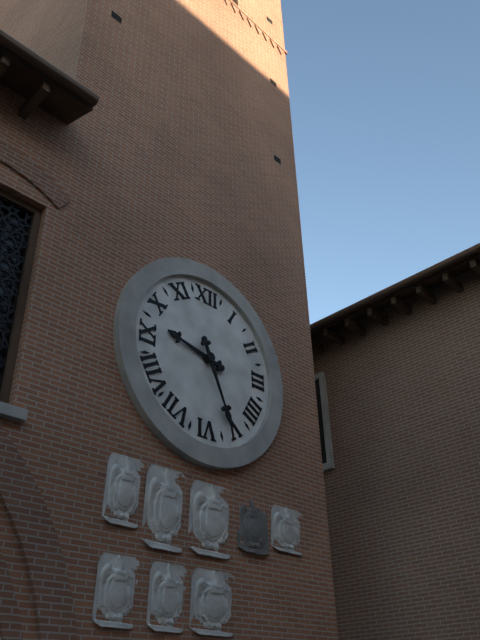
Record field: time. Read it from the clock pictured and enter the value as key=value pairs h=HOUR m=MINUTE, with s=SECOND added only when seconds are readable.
h=9 m=26
